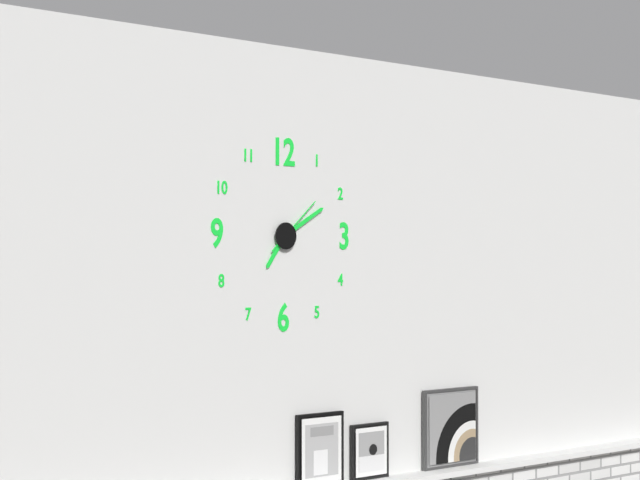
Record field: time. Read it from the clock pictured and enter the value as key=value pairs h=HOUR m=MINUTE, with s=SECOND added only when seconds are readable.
h=7 m=10 s=8
